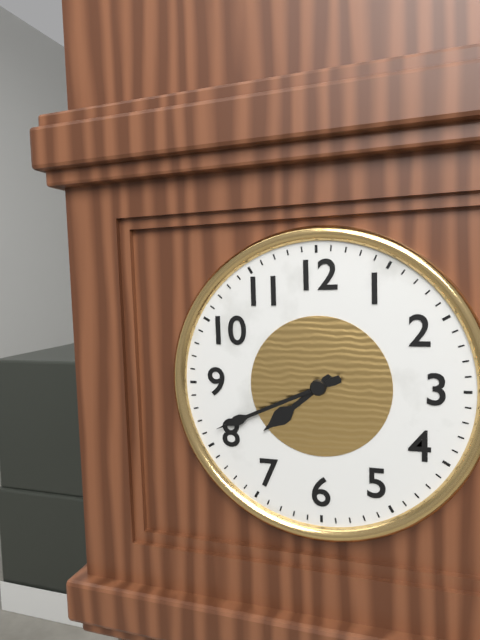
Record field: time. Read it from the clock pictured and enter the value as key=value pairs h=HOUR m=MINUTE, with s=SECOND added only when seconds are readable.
h=7 m=41
